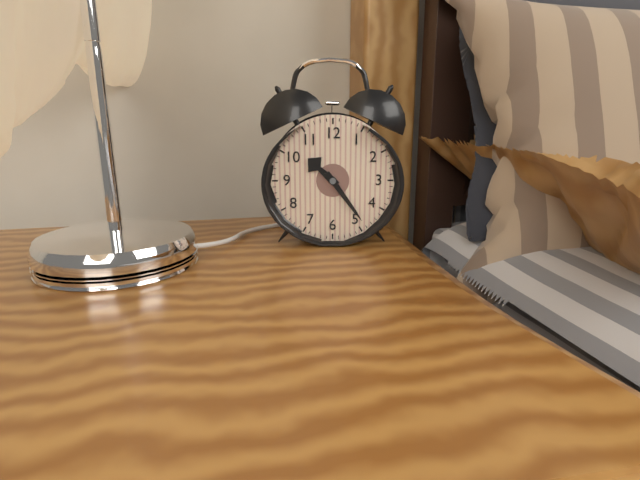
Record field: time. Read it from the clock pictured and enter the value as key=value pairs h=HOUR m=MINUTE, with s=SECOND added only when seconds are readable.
h=10 m=24
